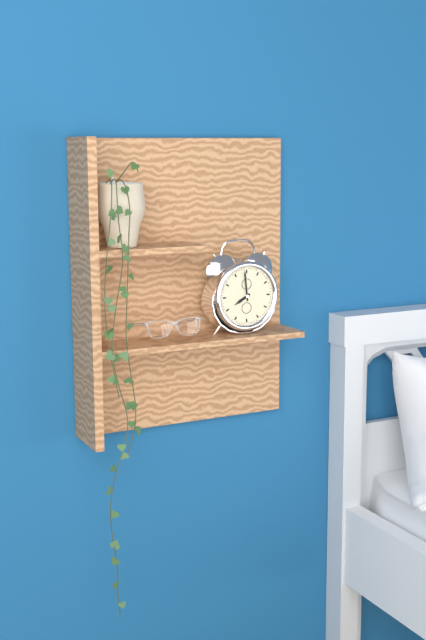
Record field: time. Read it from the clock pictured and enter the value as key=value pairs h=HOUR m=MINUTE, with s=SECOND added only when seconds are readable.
h=7 m=59
